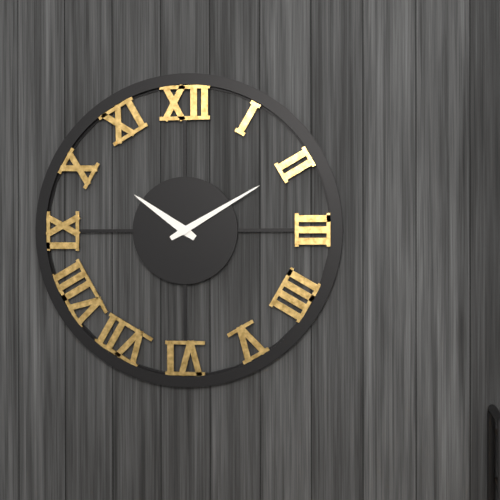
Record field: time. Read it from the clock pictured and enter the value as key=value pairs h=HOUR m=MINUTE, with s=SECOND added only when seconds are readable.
h=10 m=10
